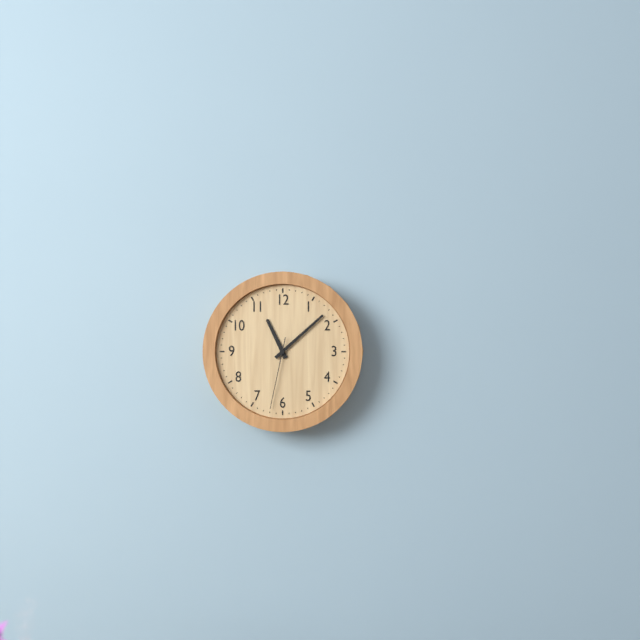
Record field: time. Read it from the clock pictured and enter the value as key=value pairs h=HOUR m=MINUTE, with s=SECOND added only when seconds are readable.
h=11 m=8 s=32
